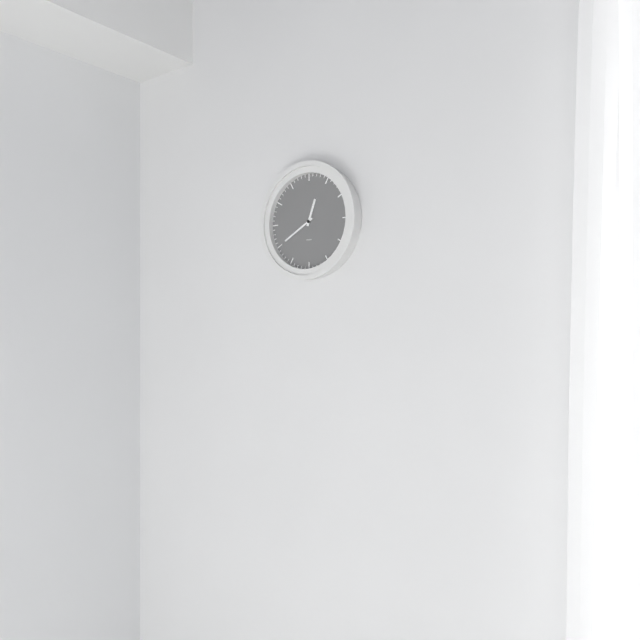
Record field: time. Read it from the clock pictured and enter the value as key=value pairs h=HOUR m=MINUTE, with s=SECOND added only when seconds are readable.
h=12 m=40
